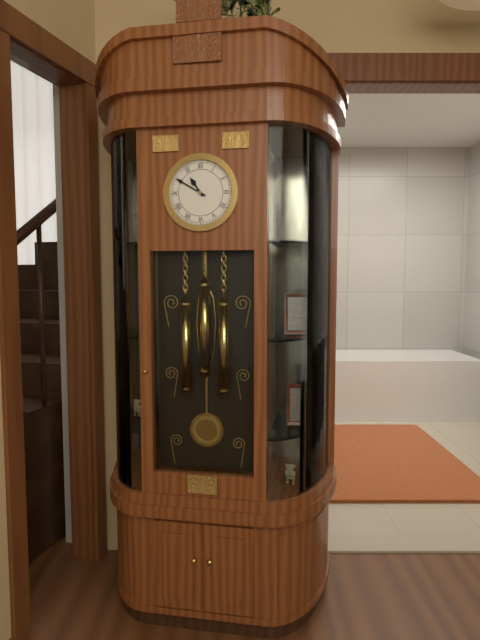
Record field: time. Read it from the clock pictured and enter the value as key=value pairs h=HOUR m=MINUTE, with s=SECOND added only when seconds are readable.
h=10 m=50
